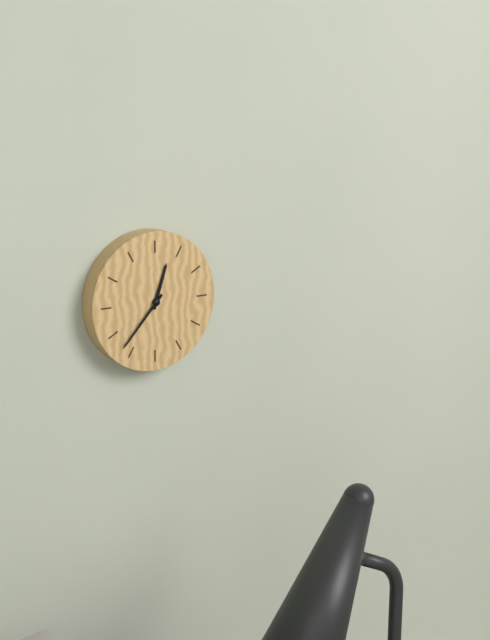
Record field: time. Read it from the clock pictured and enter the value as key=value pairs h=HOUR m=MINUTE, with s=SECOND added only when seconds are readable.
h=12 m=37
